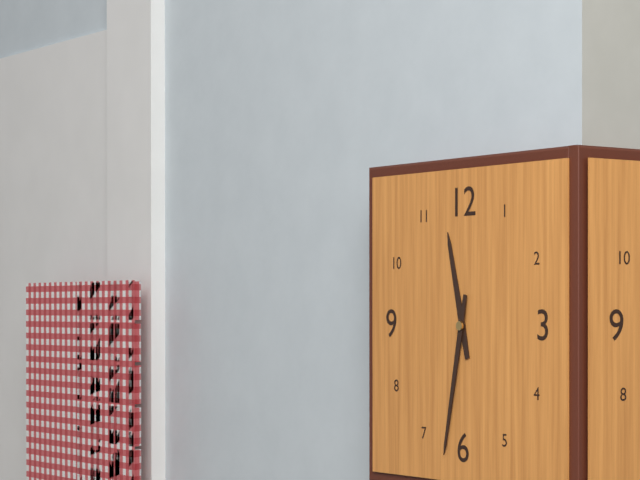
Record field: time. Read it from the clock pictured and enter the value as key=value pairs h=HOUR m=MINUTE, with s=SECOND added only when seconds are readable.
h=11 m=32
